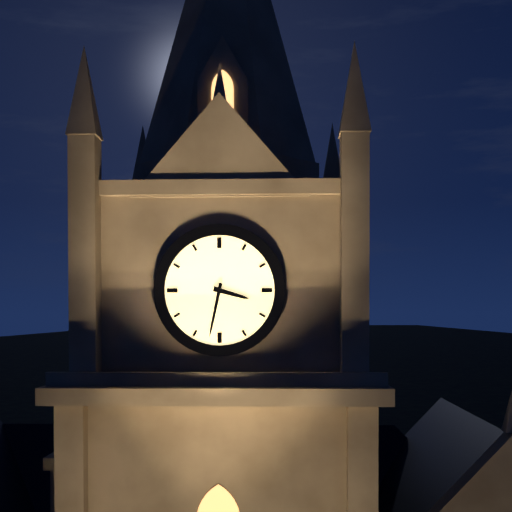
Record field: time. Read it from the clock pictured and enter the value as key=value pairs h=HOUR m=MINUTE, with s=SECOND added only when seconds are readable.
h=3 m=32
